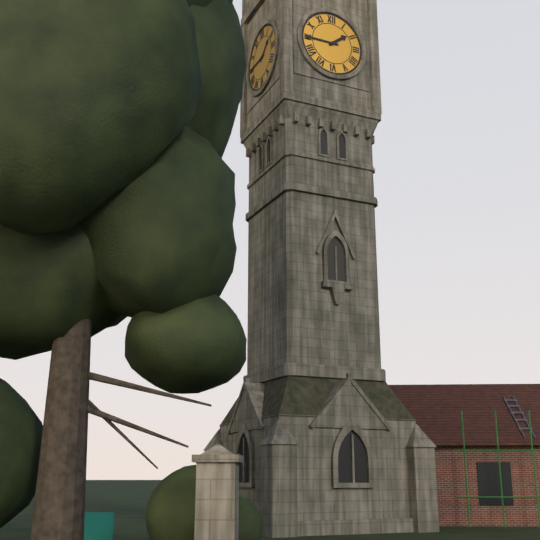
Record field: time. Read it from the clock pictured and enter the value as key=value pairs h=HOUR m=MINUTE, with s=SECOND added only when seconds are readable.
h=1 m=45
